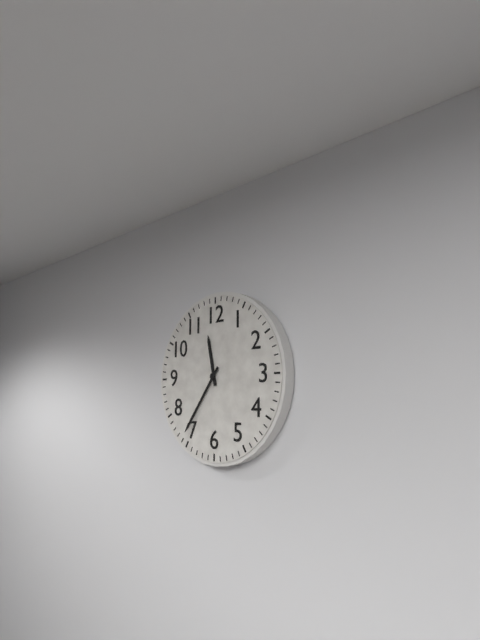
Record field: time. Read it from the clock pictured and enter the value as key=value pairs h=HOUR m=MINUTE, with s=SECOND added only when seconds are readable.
h=11 m=36
